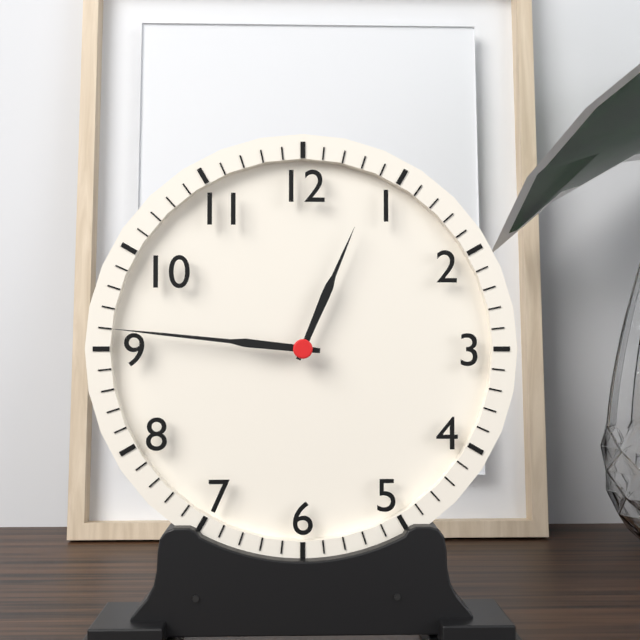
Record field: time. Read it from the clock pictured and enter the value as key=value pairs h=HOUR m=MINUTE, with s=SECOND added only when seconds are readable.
h=12 m=46
